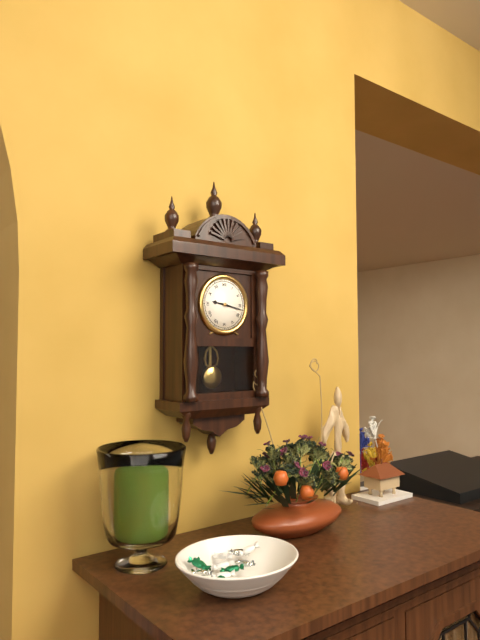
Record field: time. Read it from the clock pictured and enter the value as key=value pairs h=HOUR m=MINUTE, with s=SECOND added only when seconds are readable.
h=9 m=17
